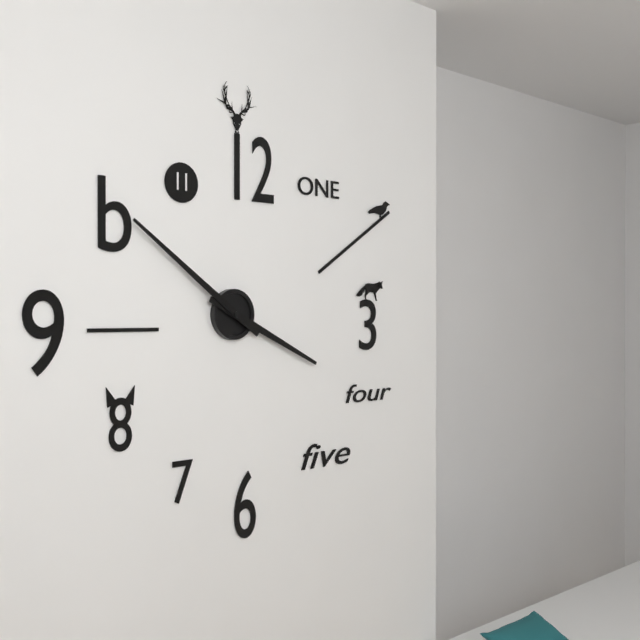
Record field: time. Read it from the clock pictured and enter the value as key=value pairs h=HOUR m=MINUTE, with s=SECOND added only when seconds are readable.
h=3 m=51
